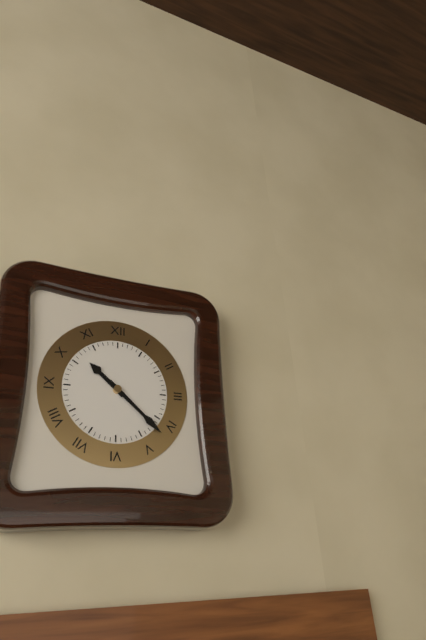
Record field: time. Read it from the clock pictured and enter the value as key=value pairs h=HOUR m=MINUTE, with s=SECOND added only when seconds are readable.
h=10 m=22
